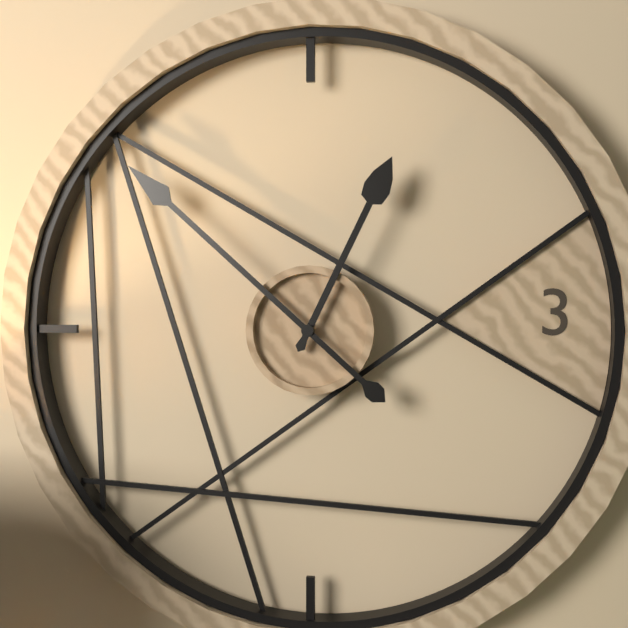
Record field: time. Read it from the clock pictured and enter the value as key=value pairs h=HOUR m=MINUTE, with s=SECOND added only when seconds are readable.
h=12 m=52
